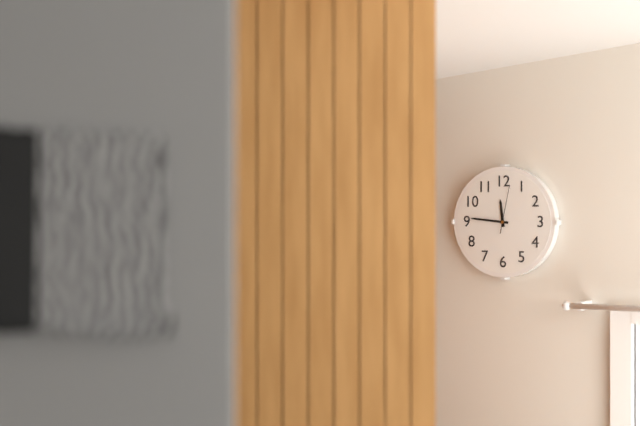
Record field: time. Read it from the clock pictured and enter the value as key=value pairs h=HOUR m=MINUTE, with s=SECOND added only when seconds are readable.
h=11 m=46
